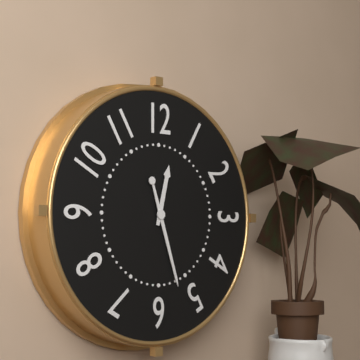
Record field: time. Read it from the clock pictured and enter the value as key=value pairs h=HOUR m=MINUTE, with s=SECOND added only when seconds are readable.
h=12 m=27
